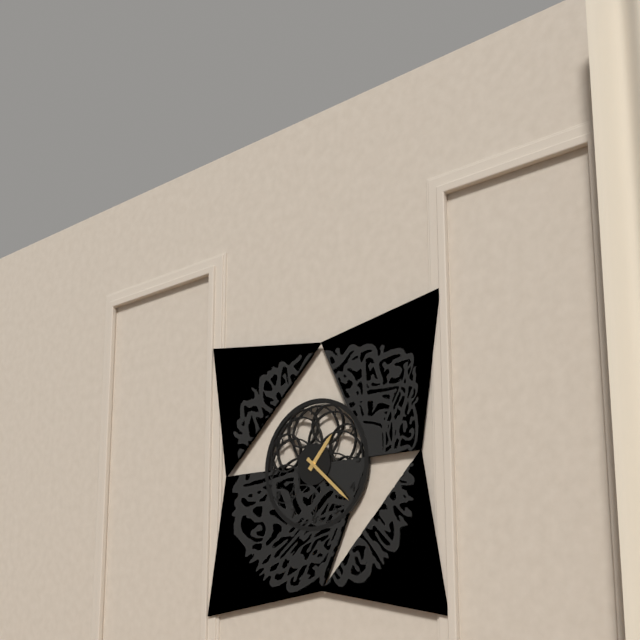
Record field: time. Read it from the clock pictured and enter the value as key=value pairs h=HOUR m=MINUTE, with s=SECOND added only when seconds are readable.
h=1 m=22
